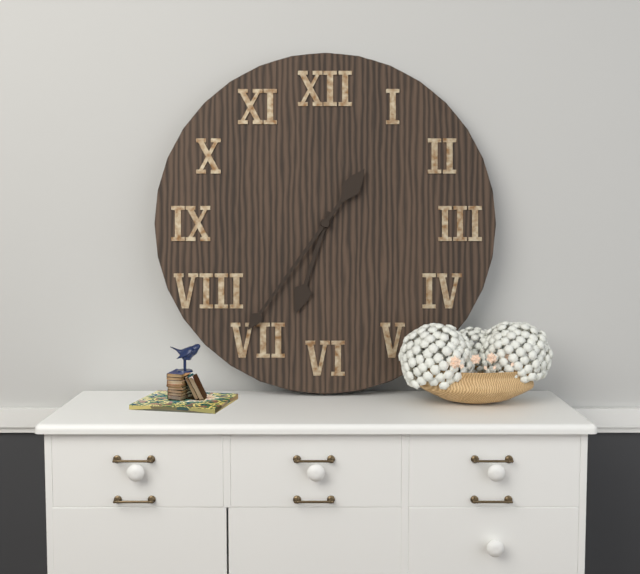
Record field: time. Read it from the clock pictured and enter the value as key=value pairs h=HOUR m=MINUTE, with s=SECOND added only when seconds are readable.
h=6 m=36
